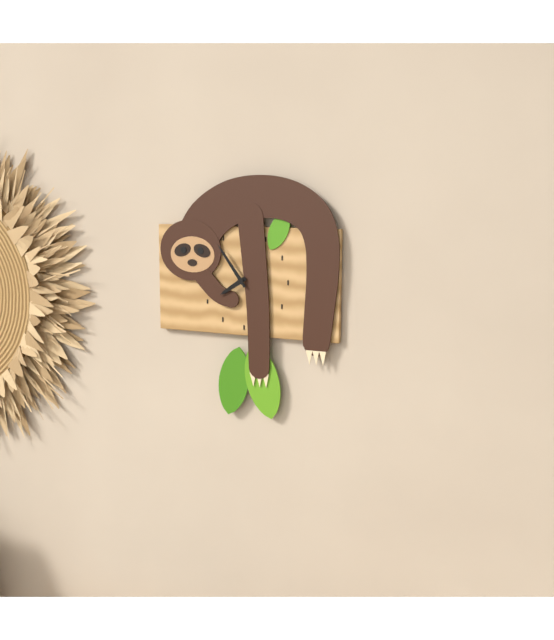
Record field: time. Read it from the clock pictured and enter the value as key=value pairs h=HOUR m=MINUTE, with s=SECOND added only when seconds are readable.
h=7 m=54
